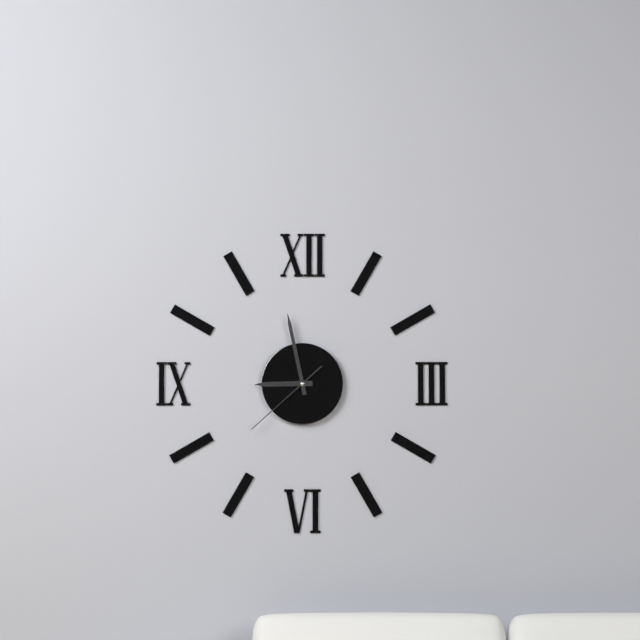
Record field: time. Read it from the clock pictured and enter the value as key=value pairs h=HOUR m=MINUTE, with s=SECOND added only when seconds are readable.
h=8 m=58 s=38
